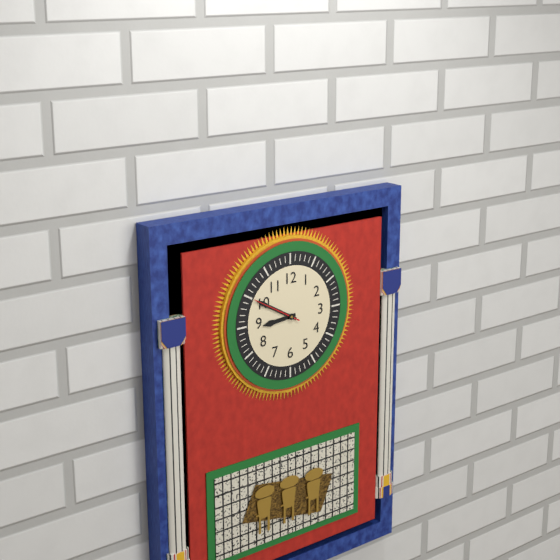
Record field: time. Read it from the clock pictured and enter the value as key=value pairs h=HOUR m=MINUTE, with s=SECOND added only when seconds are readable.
h=8 m=50 s=50
